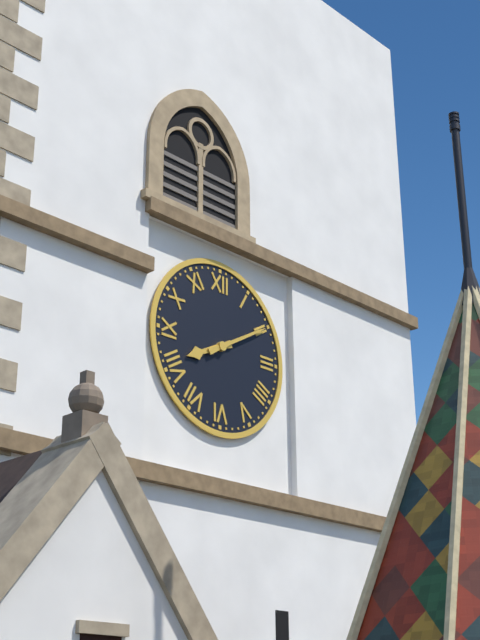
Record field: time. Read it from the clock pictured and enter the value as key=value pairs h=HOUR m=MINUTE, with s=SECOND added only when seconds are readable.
h=8 m=10
